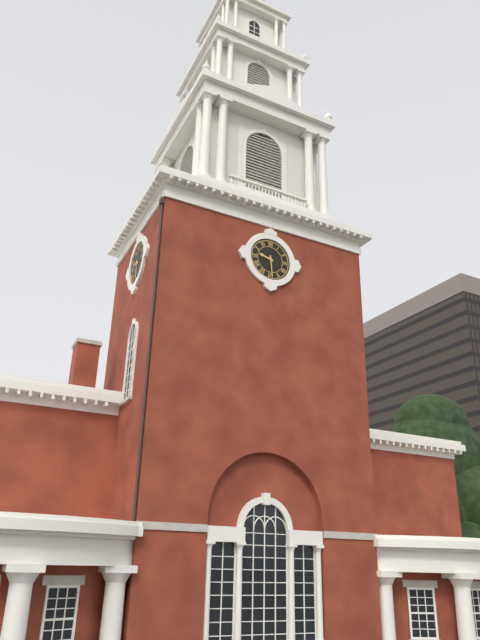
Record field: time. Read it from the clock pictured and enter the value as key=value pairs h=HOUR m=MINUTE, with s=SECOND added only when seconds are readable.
h=9 m=29
